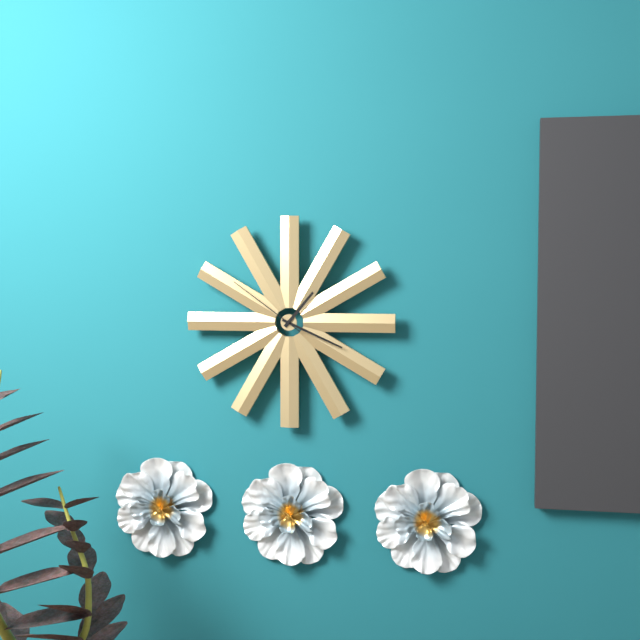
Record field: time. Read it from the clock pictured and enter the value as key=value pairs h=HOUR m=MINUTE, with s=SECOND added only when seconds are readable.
h=1 m=19 s=51
